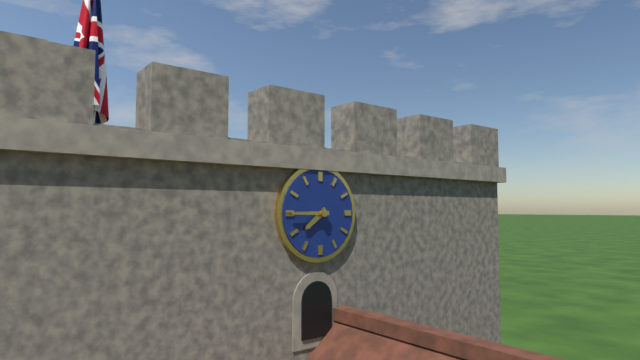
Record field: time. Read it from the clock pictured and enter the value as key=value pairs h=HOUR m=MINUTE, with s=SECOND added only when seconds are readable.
h=7 m=45
